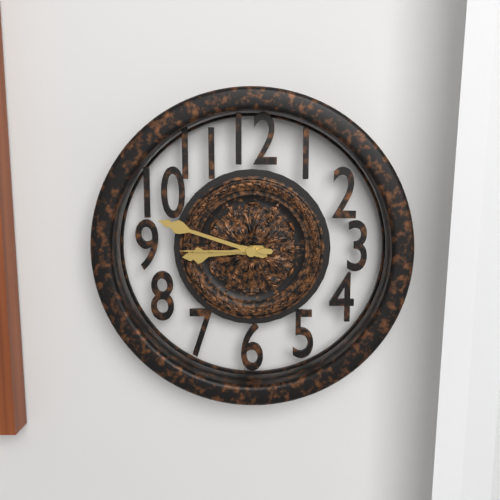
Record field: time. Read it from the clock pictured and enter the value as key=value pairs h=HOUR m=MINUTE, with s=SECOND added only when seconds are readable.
h=8 m=48 s=45
